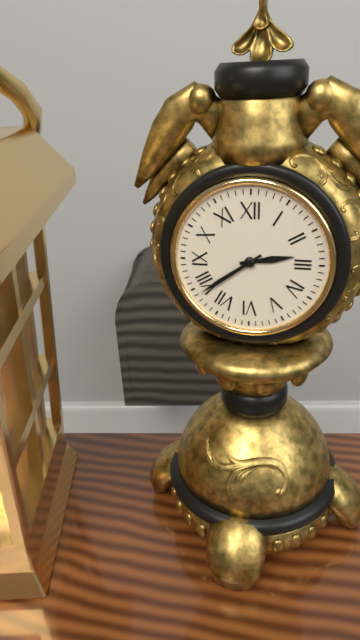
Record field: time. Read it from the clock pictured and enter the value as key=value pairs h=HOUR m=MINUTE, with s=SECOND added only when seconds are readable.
h=2 m=39
